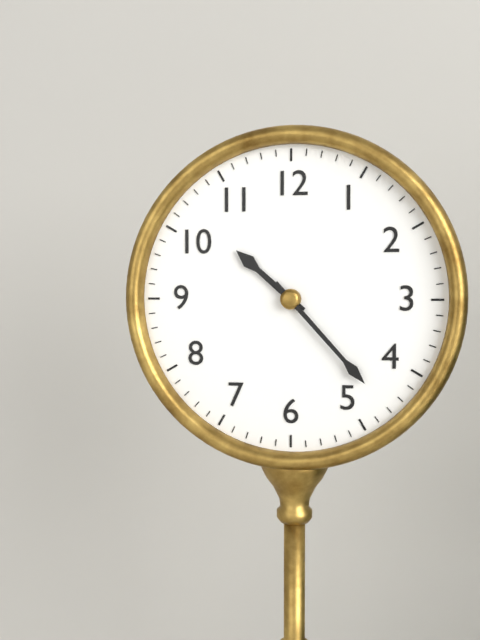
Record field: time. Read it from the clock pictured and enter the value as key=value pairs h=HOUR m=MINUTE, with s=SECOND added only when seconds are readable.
h=10 m=23
